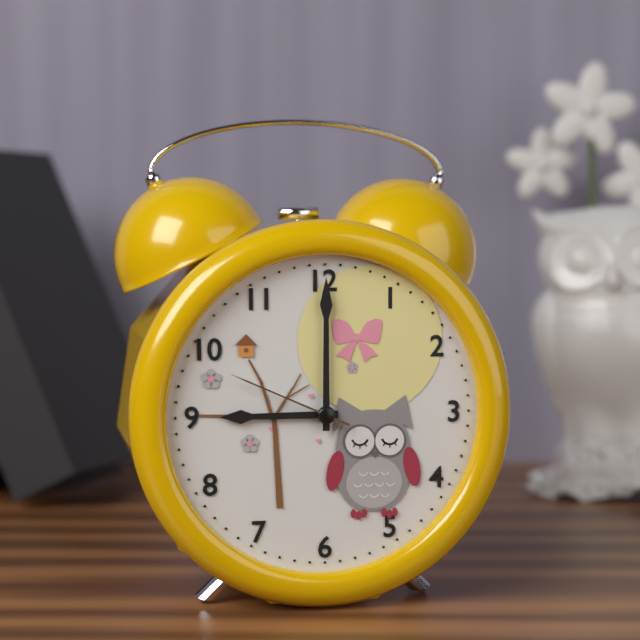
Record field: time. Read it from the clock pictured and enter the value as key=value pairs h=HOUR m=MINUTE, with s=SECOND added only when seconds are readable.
h=9 m=0 s=49
